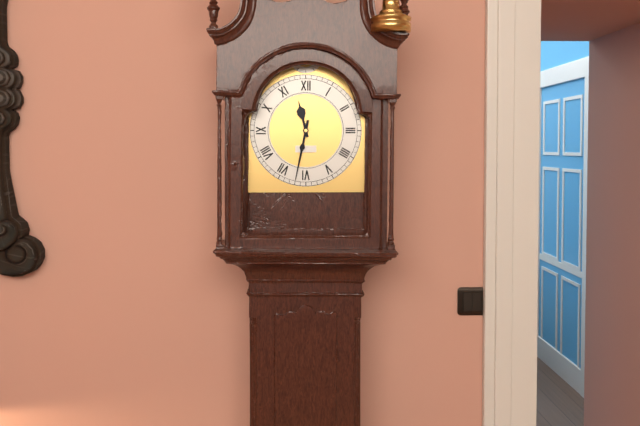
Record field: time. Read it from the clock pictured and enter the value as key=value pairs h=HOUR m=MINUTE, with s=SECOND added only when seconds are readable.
h=11 m=32
